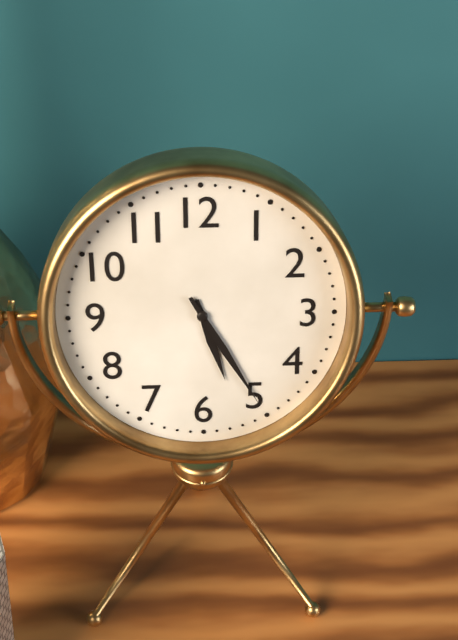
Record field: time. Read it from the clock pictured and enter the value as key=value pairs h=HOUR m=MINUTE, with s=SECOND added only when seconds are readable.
h=5 m=25
